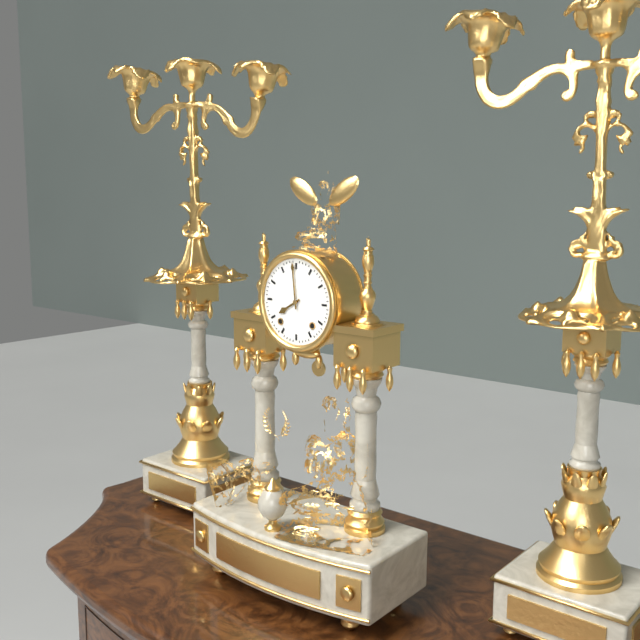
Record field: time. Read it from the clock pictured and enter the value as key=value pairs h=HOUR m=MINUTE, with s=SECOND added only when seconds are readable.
h=7 m=59
